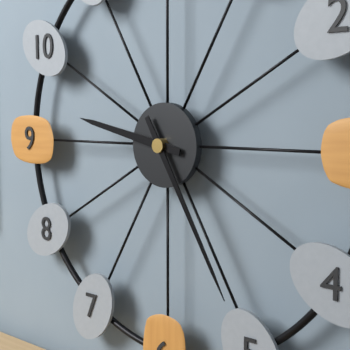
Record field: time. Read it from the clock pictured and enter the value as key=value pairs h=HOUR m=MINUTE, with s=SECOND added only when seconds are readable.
h=9 m=25
